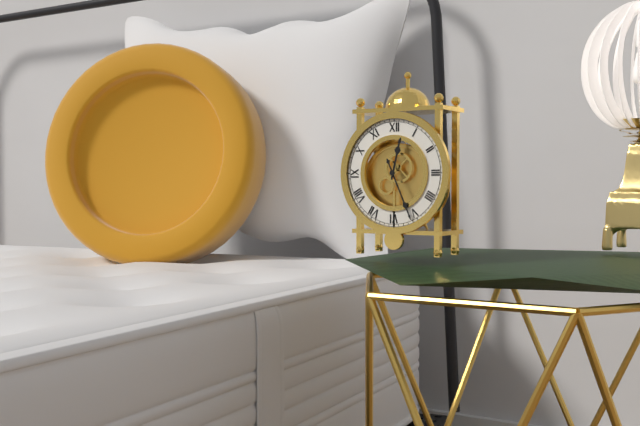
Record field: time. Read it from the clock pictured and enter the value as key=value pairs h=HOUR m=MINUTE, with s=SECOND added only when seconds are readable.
h=12 m=26
